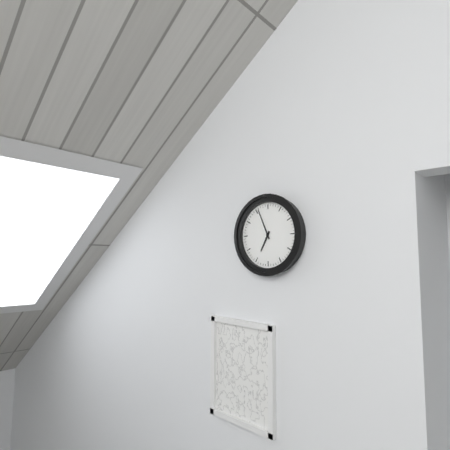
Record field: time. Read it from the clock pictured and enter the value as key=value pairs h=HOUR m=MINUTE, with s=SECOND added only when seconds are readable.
h=6 m=56
